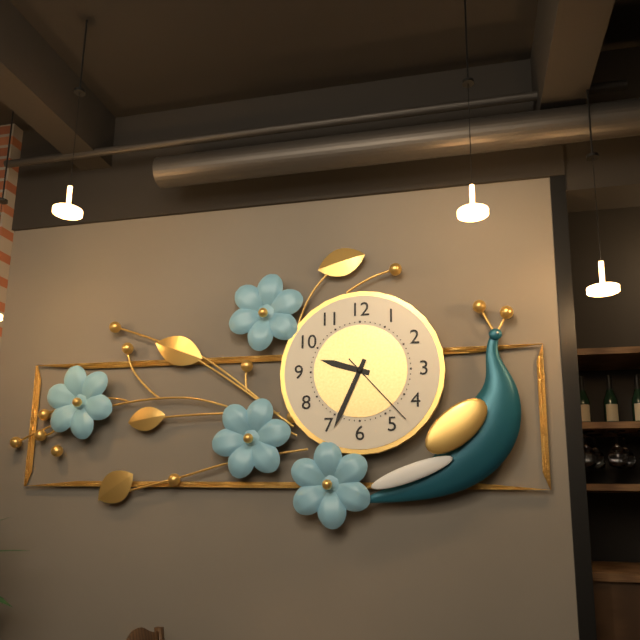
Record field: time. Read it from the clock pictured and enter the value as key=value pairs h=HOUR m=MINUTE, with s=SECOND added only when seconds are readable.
h=9 m=34 s=23
